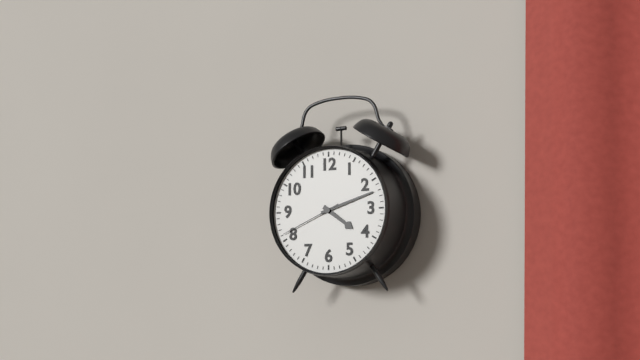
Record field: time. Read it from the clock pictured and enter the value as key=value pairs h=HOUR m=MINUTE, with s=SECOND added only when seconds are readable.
h=4 m=12 s=41
